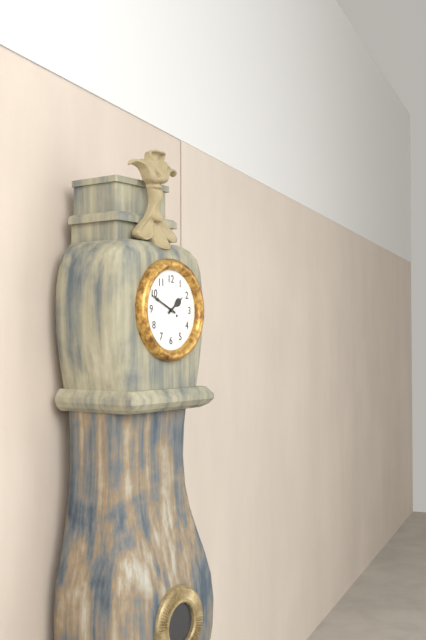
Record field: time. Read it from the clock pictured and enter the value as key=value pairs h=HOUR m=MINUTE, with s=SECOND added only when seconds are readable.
h=1 m=49
